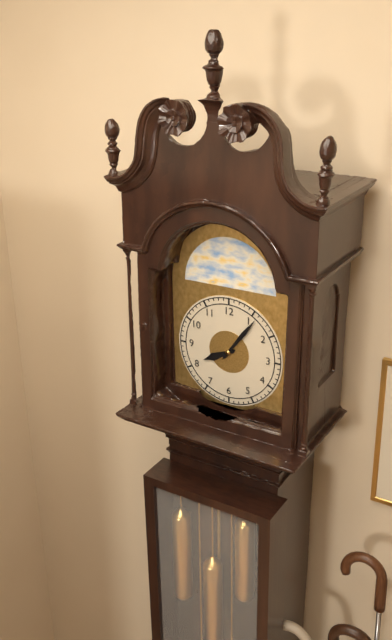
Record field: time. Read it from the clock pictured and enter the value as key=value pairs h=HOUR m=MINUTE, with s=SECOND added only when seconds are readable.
h=8 m=6
